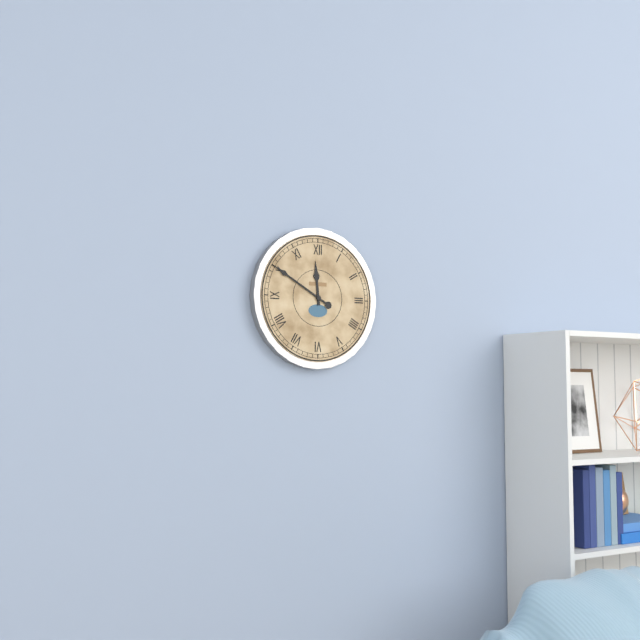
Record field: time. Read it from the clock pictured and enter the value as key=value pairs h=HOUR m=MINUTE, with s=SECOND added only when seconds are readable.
h=11 m=50
